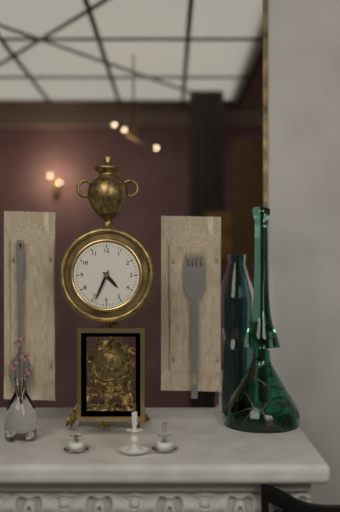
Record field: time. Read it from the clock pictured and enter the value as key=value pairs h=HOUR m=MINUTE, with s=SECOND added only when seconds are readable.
h=4 m=34
